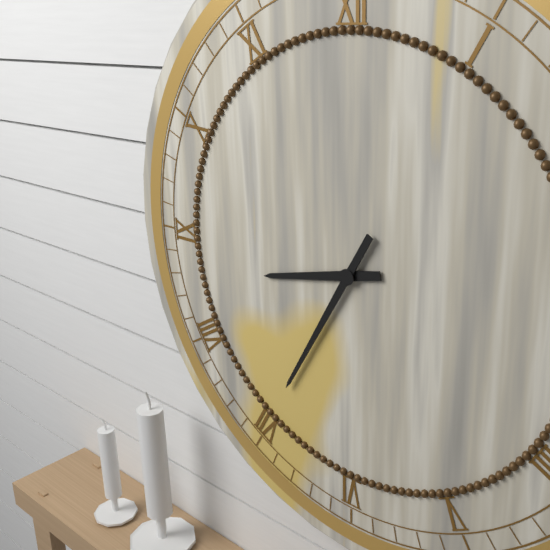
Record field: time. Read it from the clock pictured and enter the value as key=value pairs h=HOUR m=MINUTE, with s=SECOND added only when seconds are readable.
h=8 m=35
